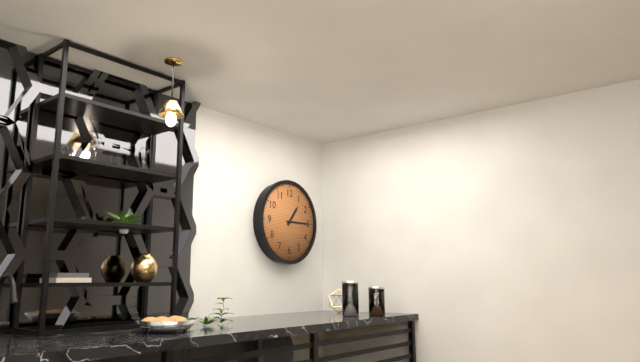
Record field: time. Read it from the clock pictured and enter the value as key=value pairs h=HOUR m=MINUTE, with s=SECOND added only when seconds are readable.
h=1 m=15
